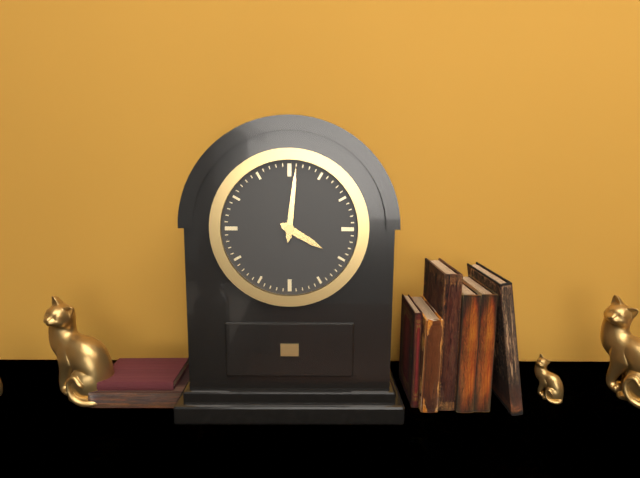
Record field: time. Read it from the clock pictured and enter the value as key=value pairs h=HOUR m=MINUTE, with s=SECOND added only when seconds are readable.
h=4 m=1
